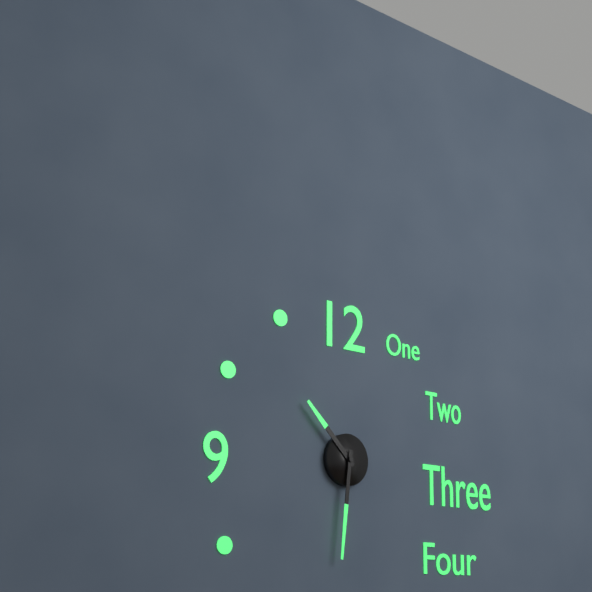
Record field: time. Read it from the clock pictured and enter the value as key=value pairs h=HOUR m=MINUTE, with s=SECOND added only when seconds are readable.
h=10 m=31
